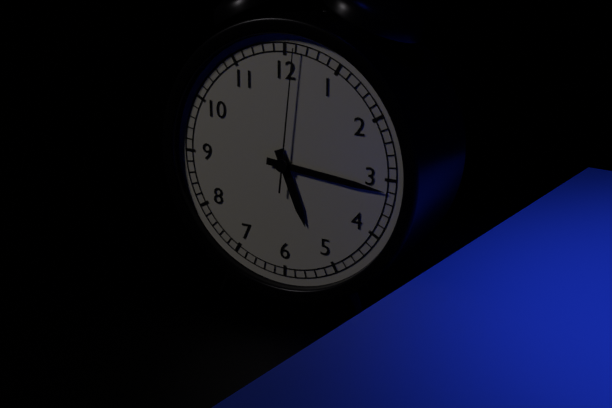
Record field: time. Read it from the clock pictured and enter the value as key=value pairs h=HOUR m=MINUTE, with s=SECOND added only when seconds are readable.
h=5 m=16 s=1
